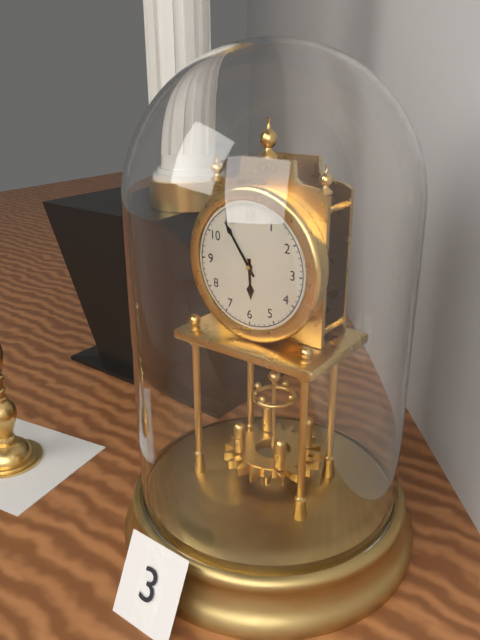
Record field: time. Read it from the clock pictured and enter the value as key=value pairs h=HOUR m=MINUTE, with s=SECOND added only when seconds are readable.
h=5 m=54
